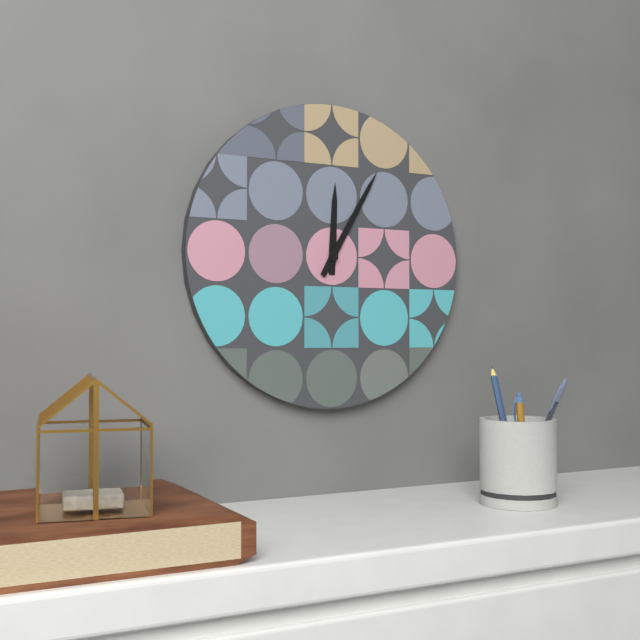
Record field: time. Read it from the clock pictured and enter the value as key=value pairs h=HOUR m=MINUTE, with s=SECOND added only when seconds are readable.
h=12 m=5
